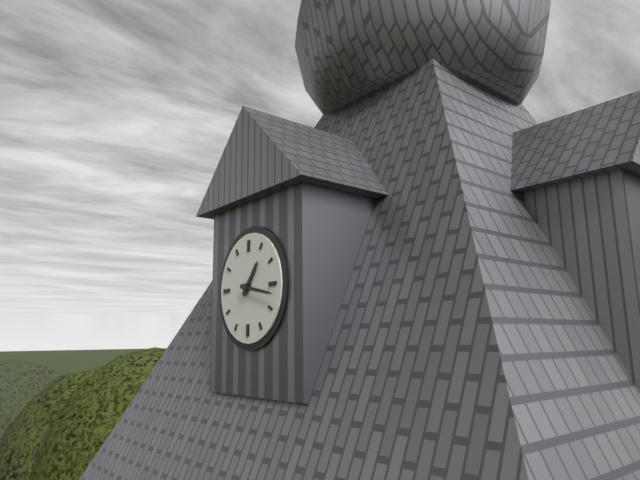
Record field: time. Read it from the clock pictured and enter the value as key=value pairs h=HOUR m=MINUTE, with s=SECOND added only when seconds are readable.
h=1 m=17
